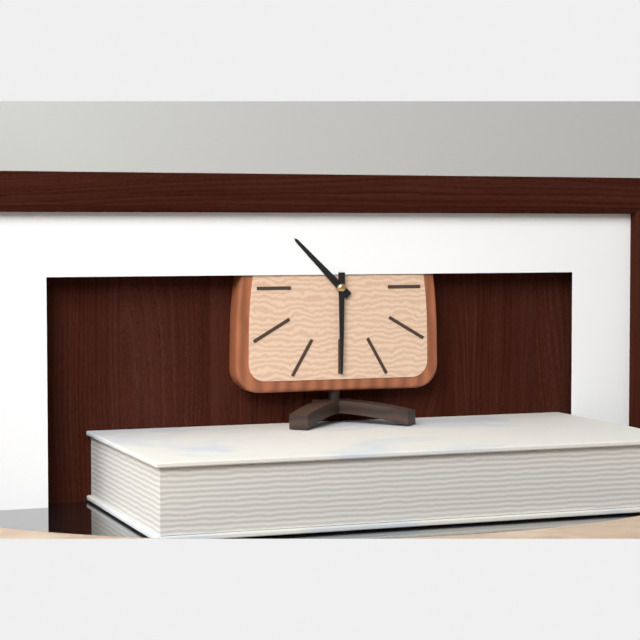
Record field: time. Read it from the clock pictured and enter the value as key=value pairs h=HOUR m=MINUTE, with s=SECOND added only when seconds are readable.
h=10 m=30
